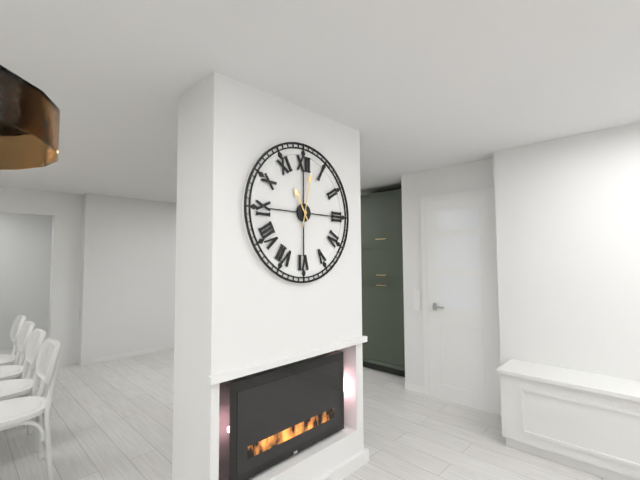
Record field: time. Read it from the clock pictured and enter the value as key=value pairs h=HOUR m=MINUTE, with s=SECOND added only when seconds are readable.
h=11 m=2
